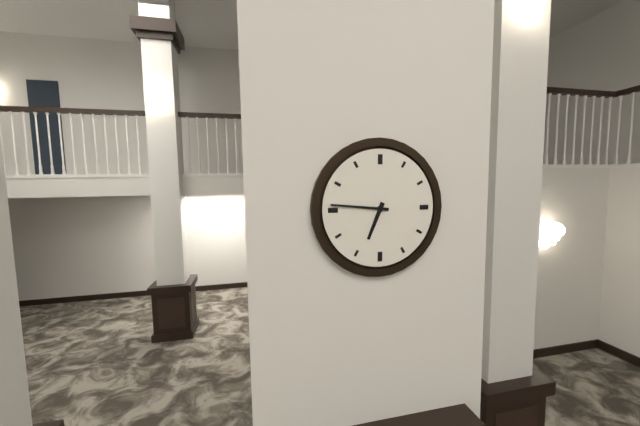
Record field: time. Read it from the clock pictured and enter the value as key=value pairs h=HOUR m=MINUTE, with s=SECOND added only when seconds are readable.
h=6 m=46
